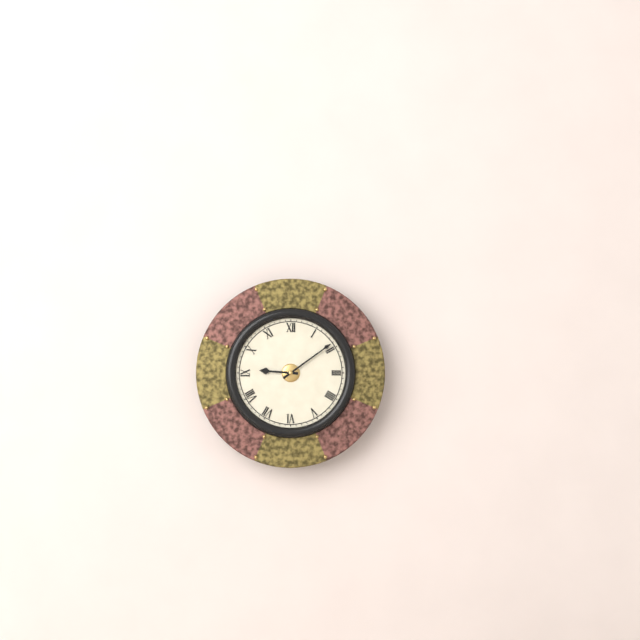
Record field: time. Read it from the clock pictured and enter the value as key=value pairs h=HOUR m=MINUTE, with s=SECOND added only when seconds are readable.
h=9 m=9
